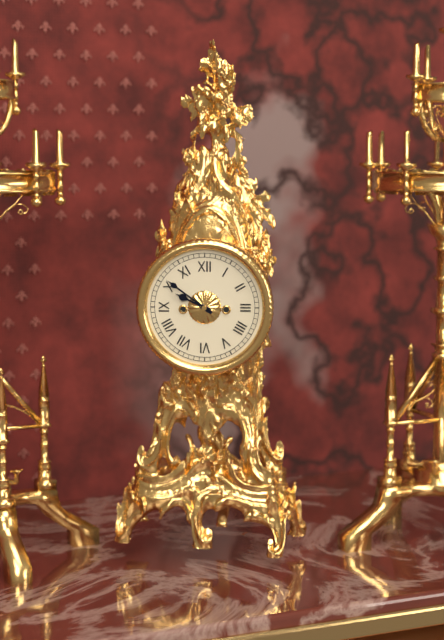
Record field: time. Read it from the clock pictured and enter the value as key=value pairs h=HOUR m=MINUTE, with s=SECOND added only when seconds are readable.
h=9 m=51
